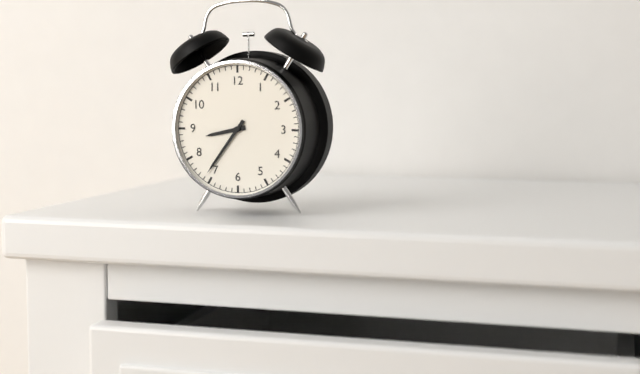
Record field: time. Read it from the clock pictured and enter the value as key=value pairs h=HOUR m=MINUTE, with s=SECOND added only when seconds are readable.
h=8 m=36
